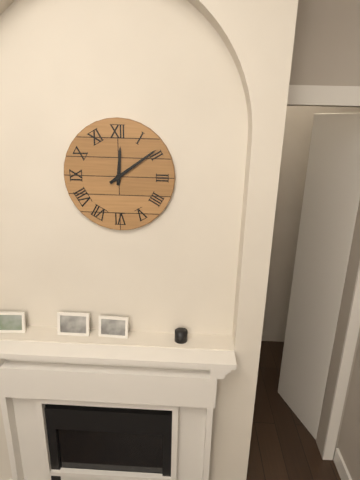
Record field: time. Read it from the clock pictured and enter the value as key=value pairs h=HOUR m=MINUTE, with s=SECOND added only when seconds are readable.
h=12 m=9
